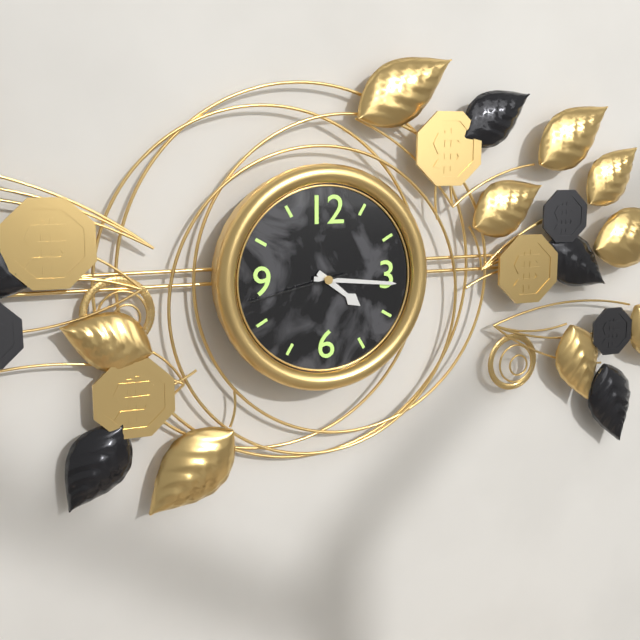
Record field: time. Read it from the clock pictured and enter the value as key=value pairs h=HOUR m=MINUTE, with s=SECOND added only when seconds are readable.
h=4 m=16 s=43
